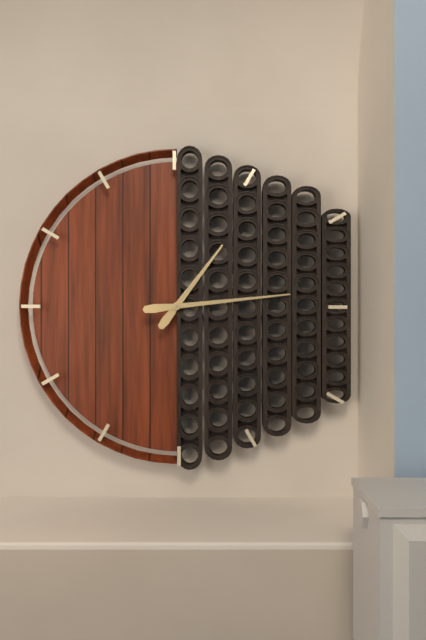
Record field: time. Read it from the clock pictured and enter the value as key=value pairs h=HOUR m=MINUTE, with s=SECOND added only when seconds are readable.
h=1 m=14
